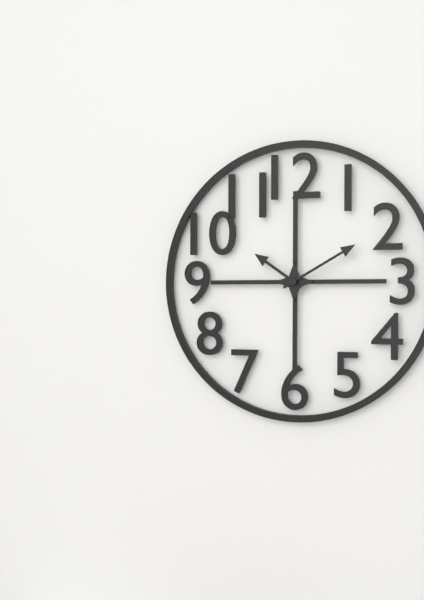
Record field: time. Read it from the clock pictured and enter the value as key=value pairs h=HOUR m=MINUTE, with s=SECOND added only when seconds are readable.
h=10 m=10
